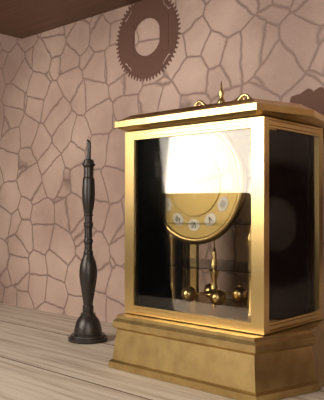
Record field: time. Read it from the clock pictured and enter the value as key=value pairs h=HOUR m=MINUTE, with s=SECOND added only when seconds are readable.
h=9 m=13
